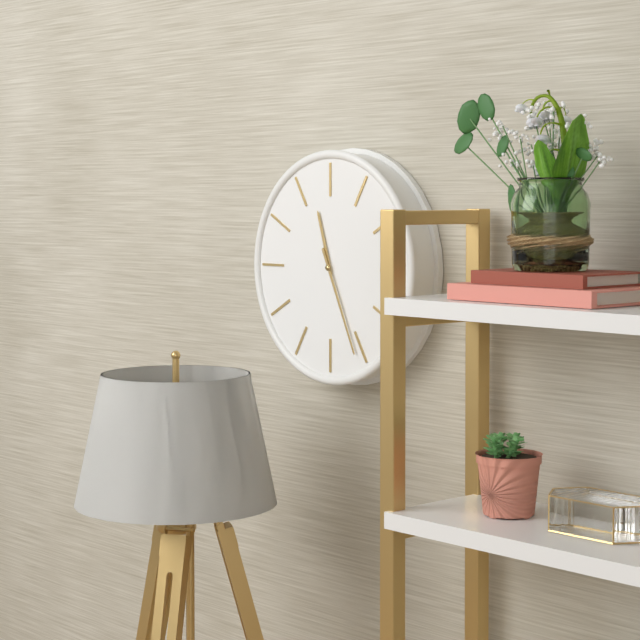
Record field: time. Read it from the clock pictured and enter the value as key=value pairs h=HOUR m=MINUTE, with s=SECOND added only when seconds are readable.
h=11 m=26
